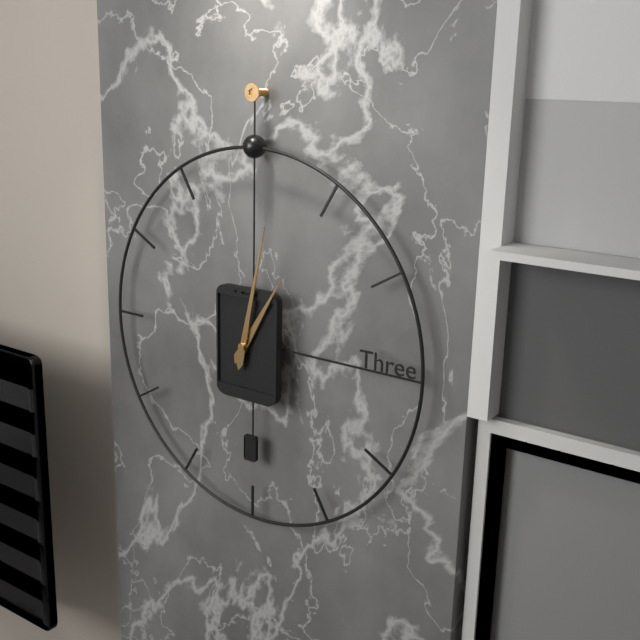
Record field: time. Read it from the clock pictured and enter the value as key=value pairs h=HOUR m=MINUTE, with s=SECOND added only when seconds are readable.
h=1 m=2
